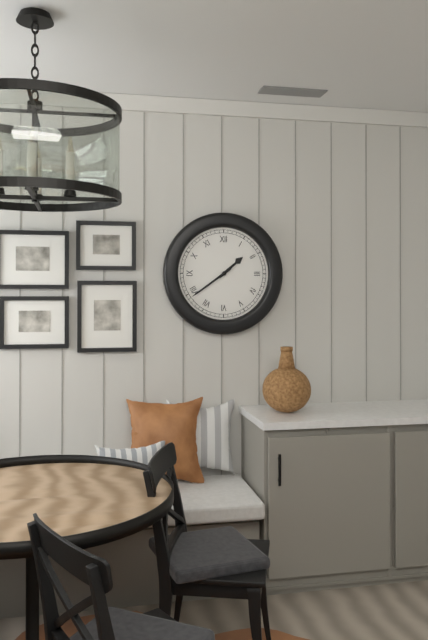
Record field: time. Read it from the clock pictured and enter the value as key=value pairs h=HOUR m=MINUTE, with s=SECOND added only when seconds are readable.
h=1 m=39
